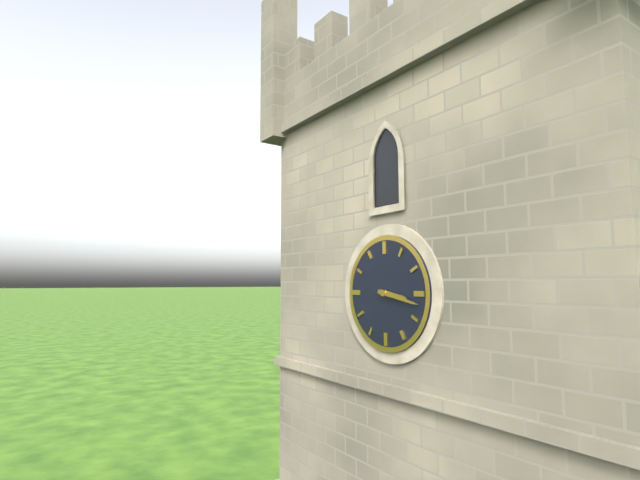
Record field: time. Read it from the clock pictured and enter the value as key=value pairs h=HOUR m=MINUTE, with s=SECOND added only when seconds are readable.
h=3 m=17
